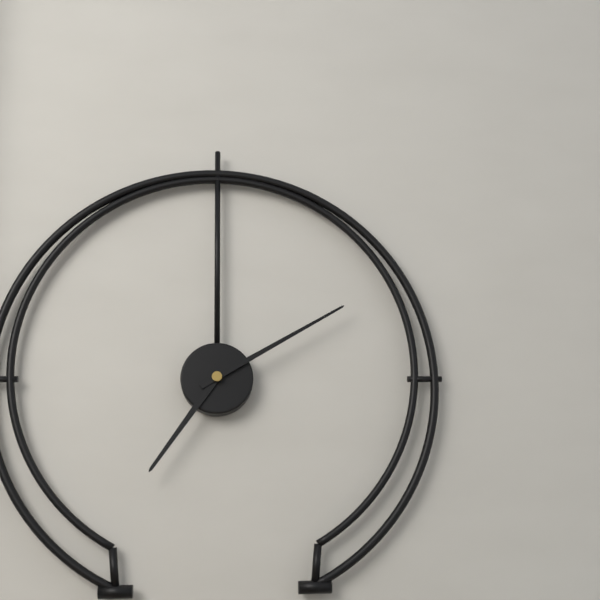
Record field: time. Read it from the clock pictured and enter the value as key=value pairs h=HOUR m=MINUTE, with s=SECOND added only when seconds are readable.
h=7 m=10
